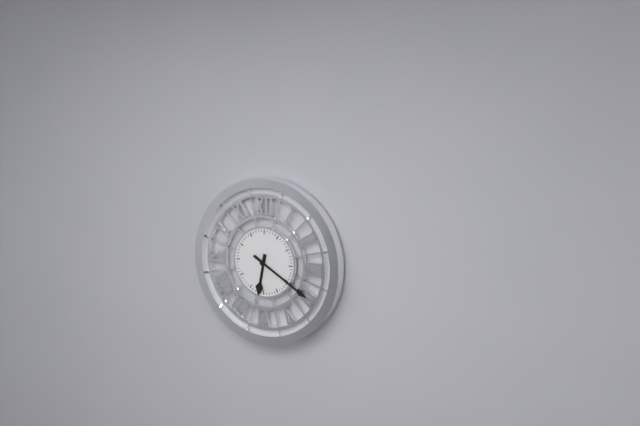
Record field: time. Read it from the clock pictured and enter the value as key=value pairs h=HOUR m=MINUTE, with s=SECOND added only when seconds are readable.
h=6 m=20
